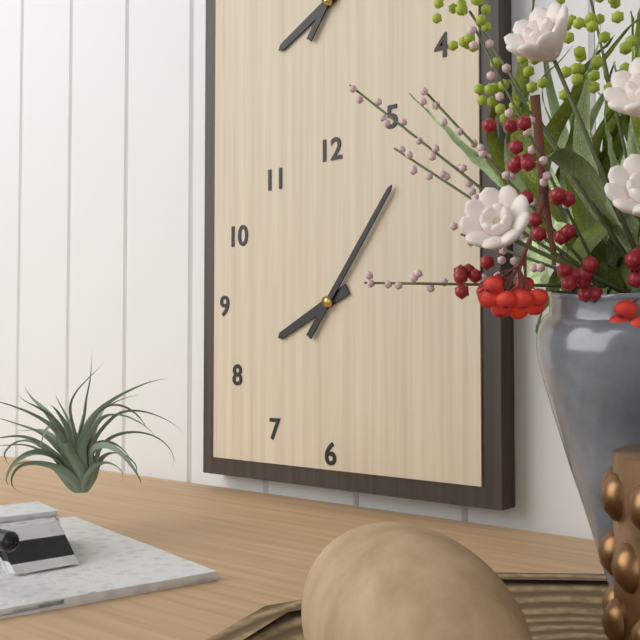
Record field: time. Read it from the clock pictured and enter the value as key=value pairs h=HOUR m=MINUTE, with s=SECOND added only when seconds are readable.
h=8 m=6
